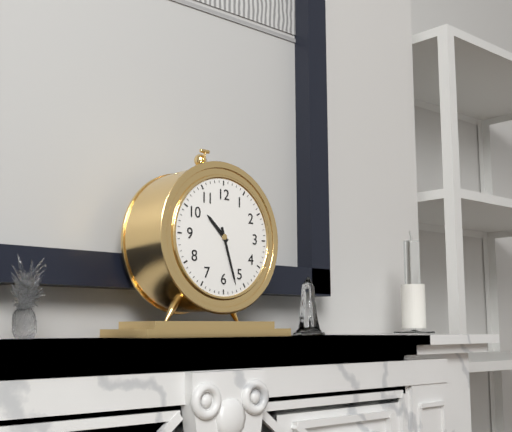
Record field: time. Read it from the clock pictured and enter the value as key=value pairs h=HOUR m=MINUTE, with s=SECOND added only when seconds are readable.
h=10 m=27
